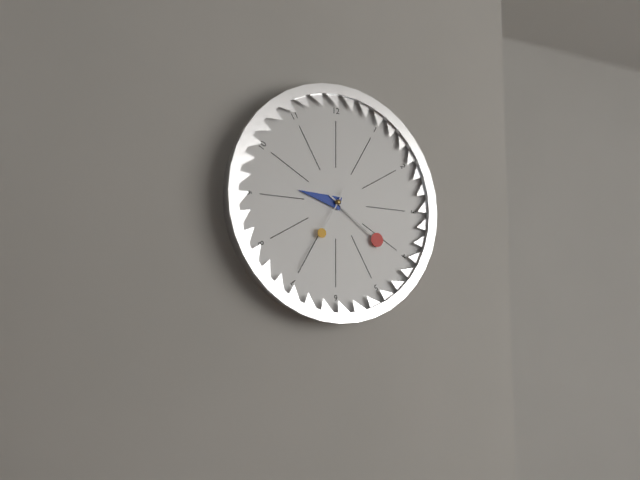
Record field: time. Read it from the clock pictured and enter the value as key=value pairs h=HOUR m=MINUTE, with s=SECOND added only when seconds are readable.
h=9 m=21 s=35
